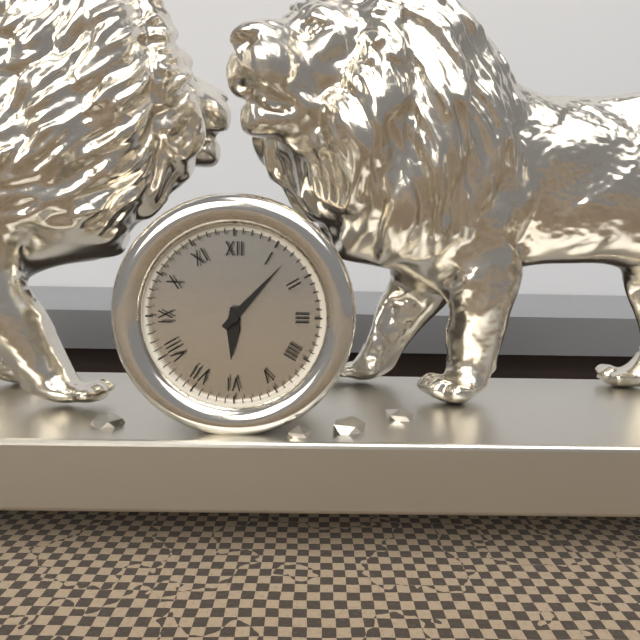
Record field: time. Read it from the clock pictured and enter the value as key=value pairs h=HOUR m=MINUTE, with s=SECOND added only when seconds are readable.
h=6 m=7
